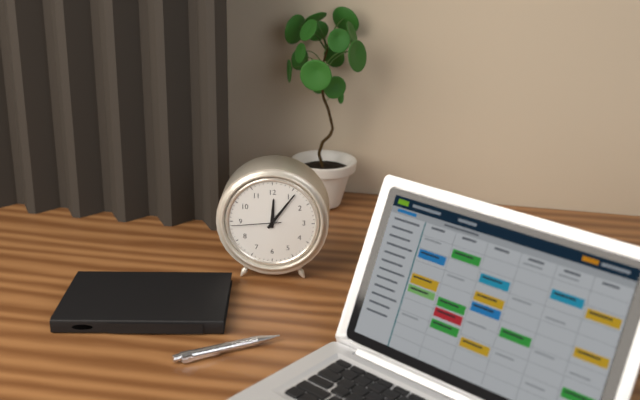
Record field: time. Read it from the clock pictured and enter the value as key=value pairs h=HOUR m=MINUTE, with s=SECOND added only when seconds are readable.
h=12 m=6 s=44
